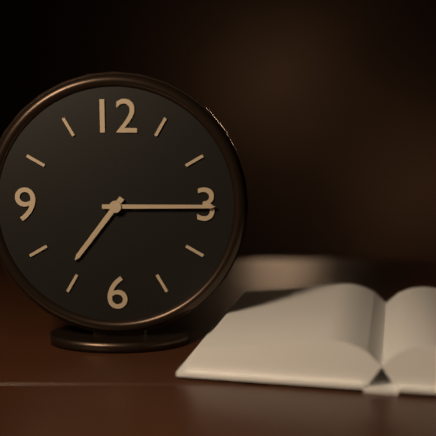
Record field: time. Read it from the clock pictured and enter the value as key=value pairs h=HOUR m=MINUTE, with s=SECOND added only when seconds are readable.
h=7 m=15
